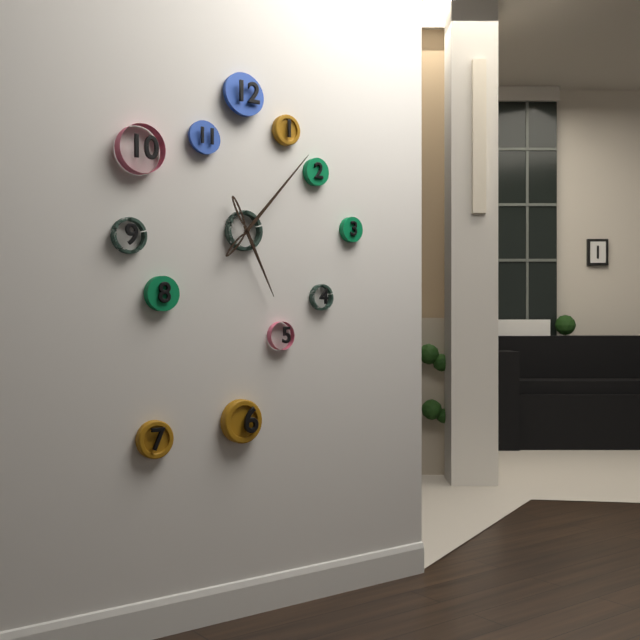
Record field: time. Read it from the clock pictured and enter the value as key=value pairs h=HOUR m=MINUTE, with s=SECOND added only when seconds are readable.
h=5 m=7
